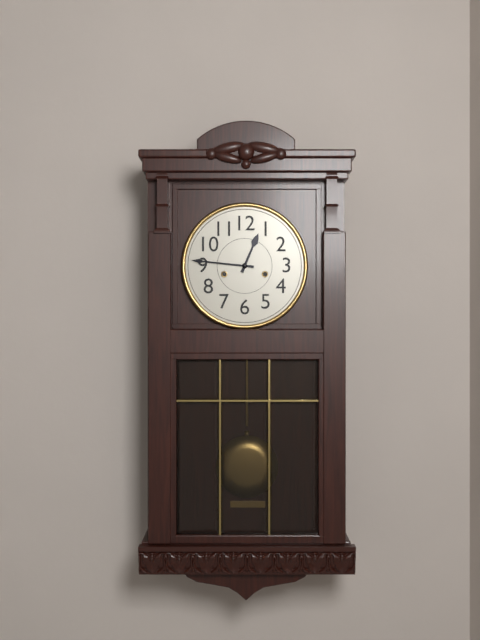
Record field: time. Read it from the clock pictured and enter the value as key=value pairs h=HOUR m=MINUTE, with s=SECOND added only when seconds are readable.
h=12 m=46
